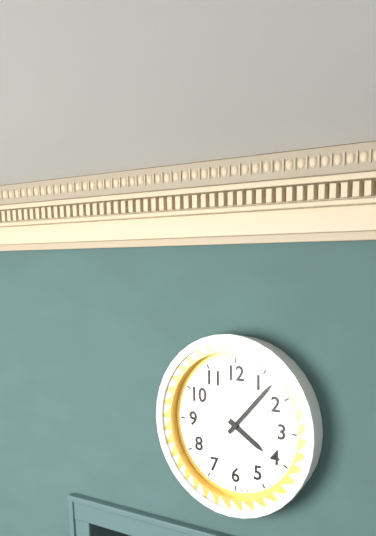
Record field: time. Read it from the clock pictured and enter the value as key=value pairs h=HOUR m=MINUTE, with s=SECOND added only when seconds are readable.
h=4 m=7
